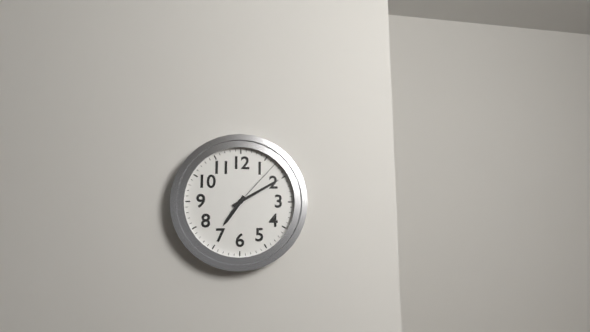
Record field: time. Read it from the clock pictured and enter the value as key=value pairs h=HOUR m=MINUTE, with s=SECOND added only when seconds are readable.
h=7 m=10 s=7
